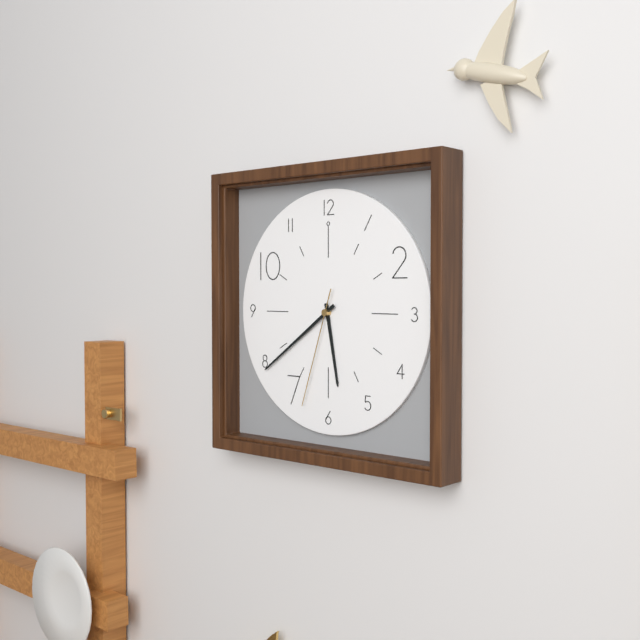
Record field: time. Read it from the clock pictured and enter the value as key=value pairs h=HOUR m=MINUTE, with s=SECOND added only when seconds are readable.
h=5 m=39 s=33
